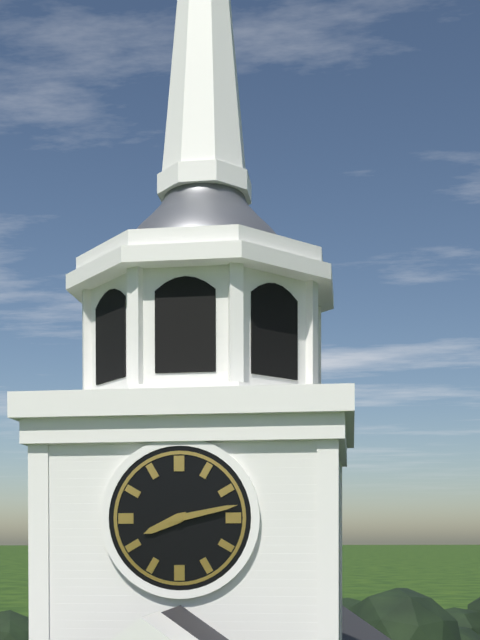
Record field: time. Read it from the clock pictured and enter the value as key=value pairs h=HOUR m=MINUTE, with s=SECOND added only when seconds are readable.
h=8 m=13
